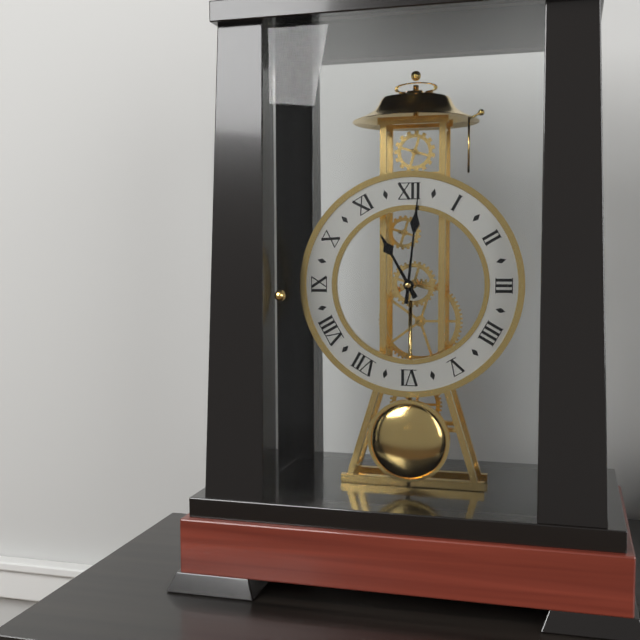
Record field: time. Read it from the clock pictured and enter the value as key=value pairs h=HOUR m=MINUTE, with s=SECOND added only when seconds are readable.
h=11 m=1
